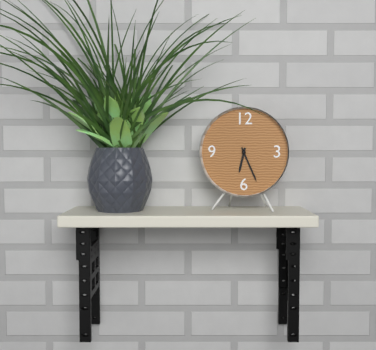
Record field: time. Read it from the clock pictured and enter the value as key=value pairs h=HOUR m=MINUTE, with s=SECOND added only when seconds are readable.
h=6 m=26
